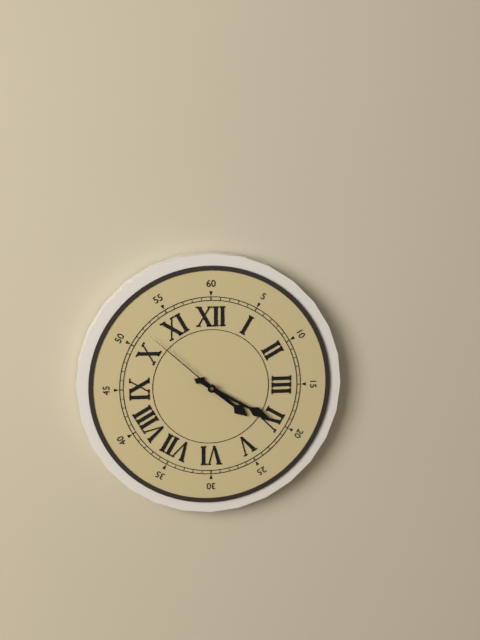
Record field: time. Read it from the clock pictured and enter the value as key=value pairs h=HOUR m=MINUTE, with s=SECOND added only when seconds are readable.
h=4 m=20 s=52
